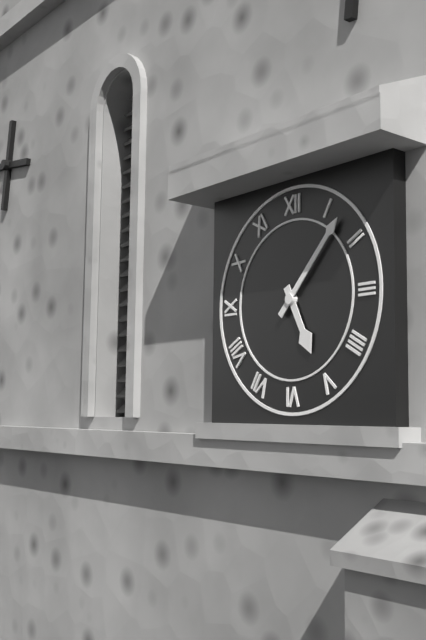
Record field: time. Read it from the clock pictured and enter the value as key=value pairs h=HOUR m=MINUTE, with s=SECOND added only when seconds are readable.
h=5 m=7
